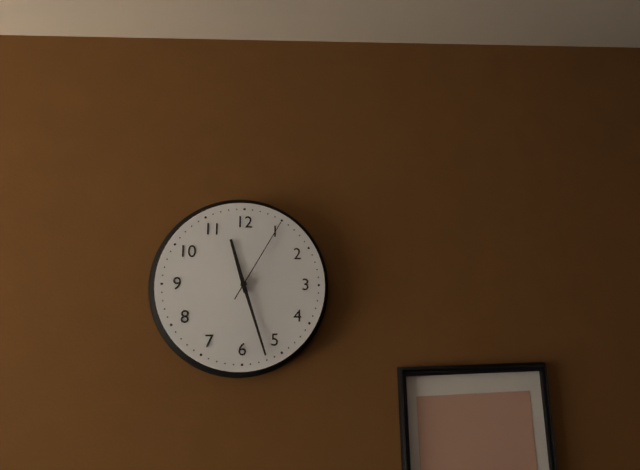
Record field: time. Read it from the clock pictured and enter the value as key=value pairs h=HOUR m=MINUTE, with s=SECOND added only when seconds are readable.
h=11 m=27 s=5
